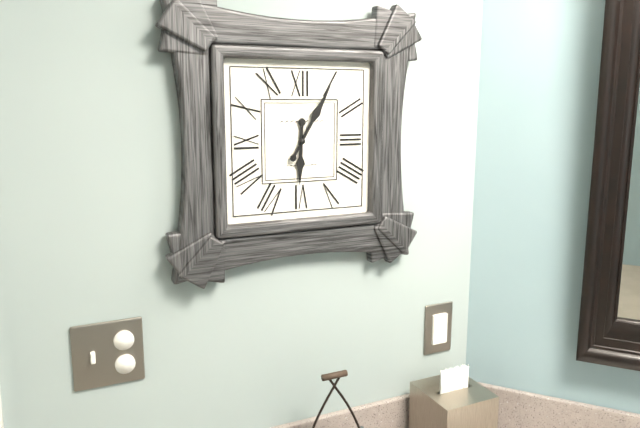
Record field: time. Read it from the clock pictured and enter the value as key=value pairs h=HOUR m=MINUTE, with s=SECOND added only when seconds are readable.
h=6 m=5
